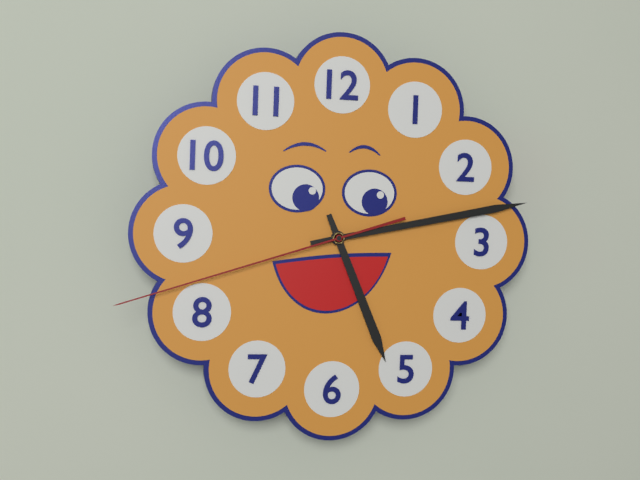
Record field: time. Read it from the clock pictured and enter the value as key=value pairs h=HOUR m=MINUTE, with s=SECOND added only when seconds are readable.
h=5 m=13 s=42
